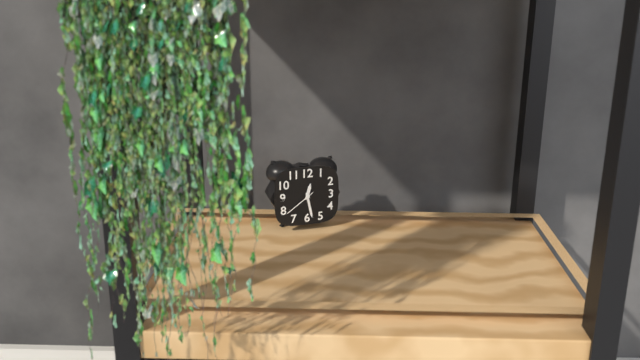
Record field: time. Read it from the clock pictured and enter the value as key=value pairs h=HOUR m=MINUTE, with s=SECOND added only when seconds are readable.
h=12 m=28
